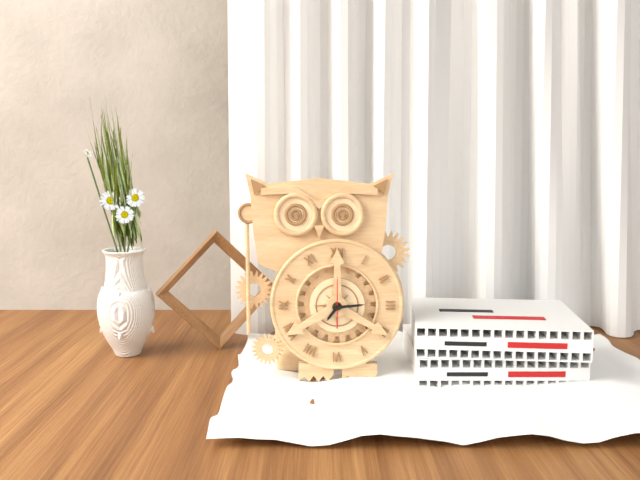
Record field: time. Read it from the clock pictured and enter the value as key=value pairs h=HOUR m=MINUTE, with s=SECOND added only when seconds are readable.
h=7 m=14
